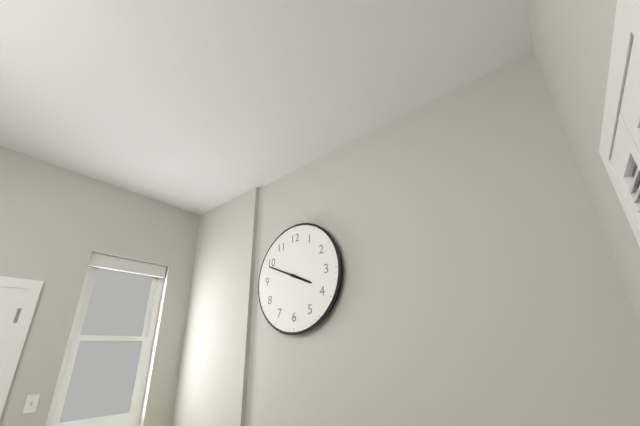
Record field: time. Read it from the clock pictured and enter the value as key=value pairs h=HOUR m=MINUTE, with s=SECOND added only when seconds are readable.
h=3 m=49
